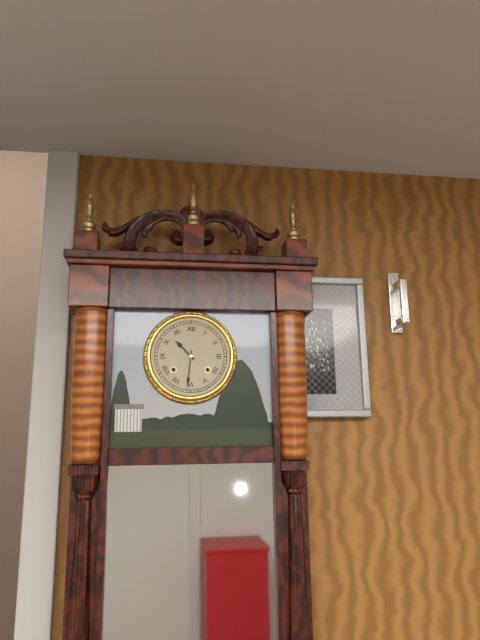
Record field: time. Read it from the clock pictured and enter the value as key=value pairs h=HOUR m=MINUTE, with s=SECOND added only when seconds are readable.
h=10 m=31
